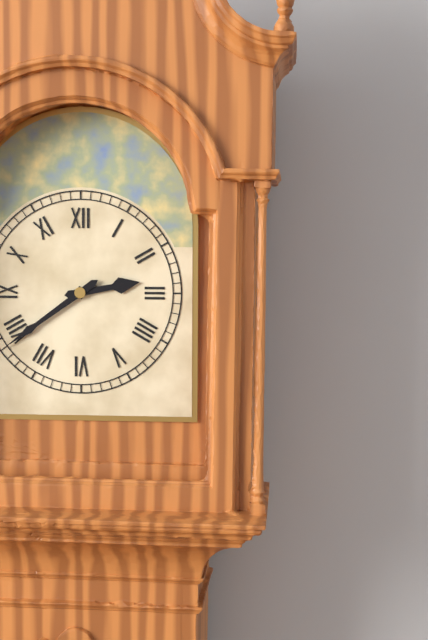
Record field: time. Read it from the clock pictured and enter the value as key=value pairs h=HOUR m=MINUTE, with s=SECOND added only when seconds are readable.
h=2 m=39
